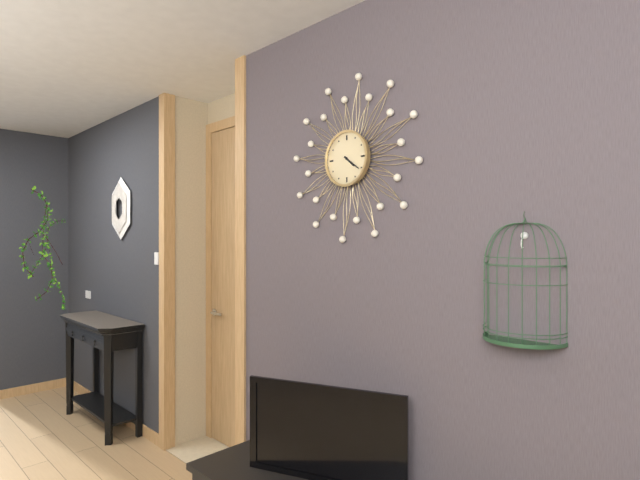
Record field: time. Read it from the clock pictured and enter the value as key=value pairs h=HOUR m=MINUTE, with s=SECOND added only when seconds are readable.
h=4 m=21
